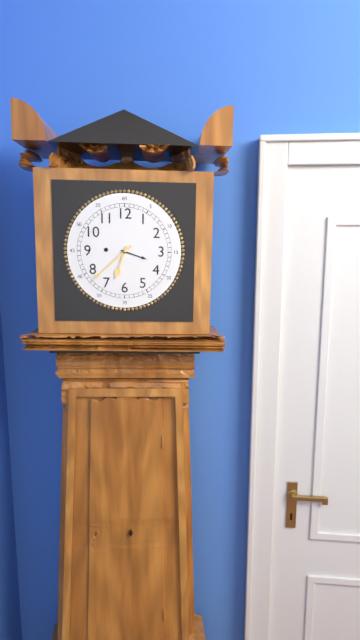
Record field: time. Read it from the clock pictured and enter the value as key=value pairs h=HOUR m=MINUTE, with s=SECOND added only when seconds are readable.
h=6 m=38
